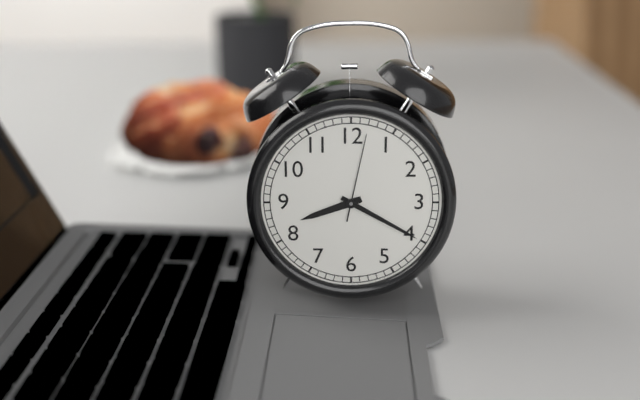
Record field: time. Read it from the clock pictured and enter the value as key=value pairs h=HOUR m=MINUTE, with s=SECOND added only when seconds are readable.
h=8 m=20 s=2
